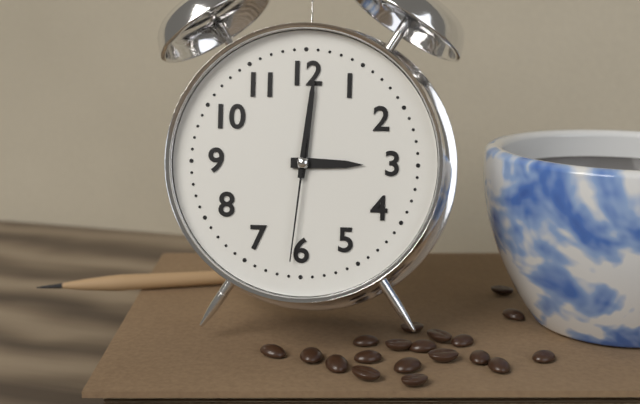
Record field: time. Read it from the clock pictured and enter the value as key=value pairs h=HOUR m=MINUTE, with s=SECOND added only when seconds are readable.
h=3 m=1 s=31
